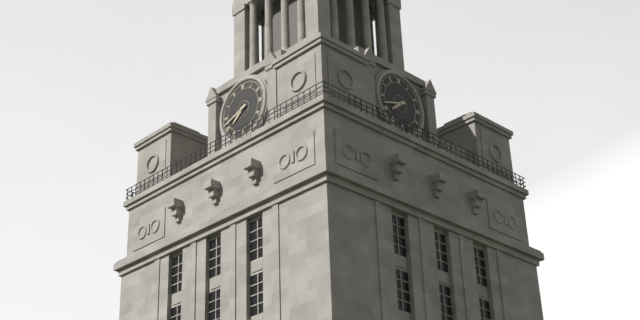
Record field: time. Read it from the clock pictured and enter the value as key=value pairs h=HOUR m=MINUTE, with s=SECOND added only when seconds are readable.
h=7 m=42
